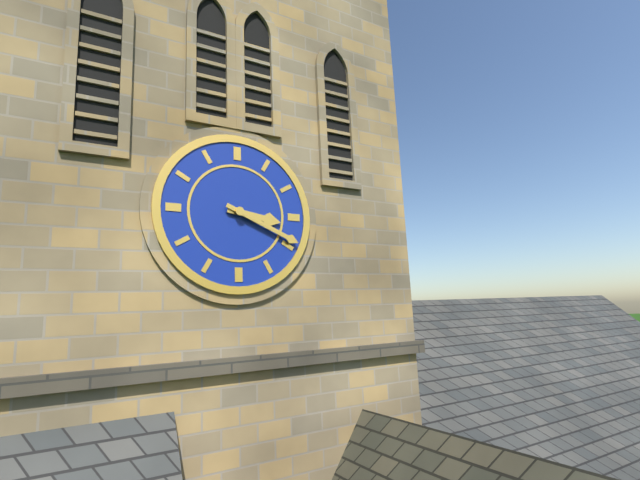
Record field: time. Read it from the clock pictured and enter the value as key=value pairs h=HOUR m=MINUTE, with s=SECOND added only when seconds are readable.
h=3 m=19
